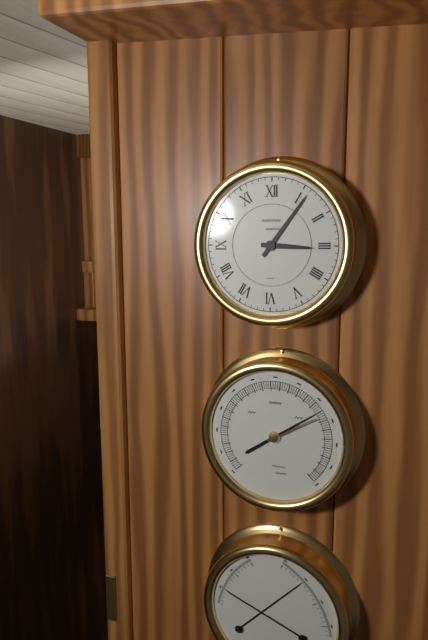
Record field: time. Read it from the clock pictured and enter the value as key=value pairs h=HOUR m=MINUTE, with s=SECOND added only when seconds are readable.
h=3 m=6
